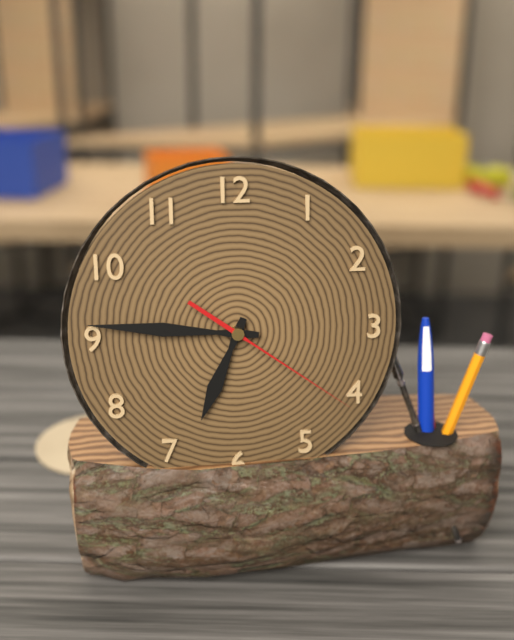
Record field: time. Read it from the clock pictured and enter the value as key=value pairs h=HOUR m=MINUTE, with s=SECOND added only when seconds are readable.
h=6 m=46 s=21
